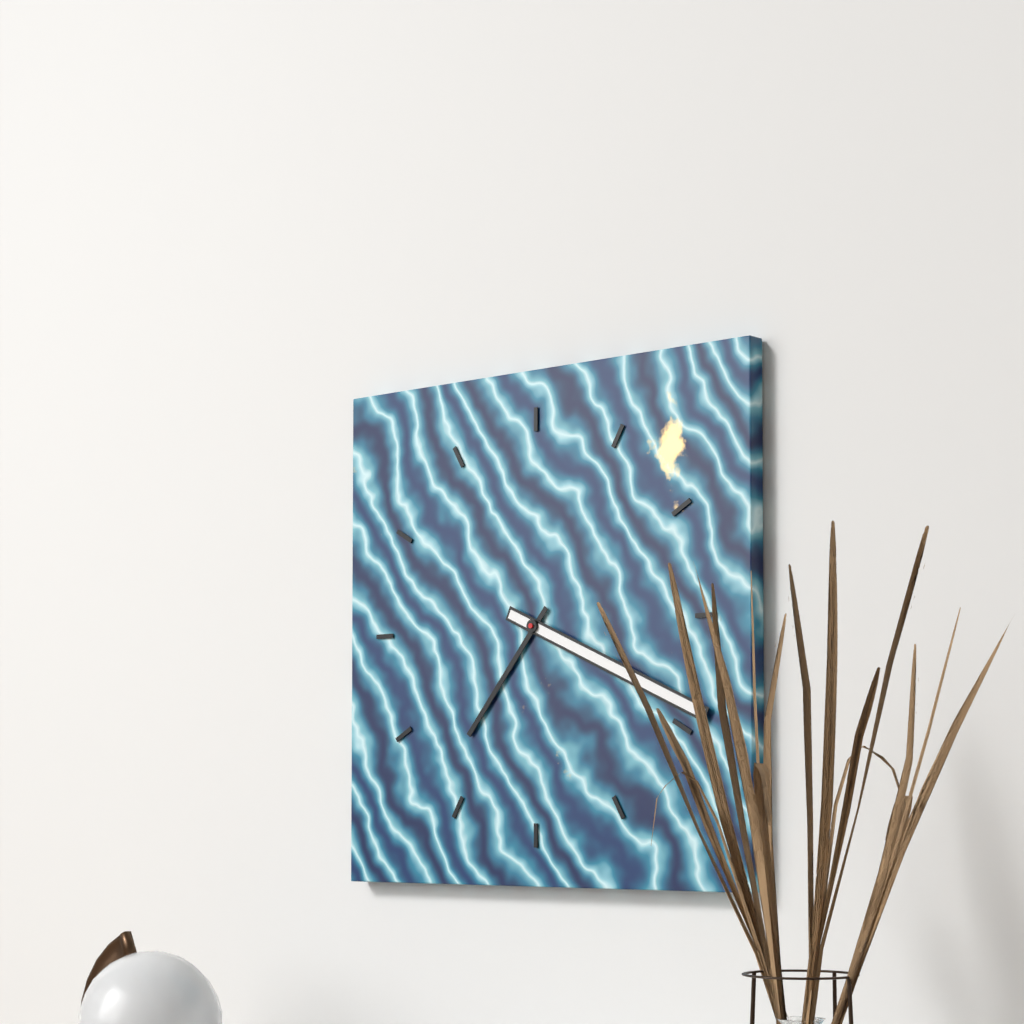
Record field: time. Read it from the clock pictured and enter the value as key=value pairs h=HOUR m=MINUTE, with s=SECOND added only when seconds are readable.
h=7 m=19
